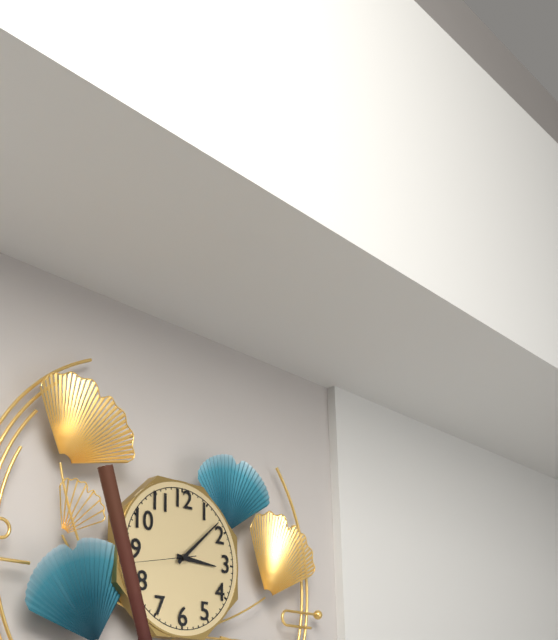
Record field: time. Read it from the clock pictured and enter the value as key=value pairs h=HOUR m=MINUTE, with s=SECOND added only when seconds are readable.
h=3 m=8
